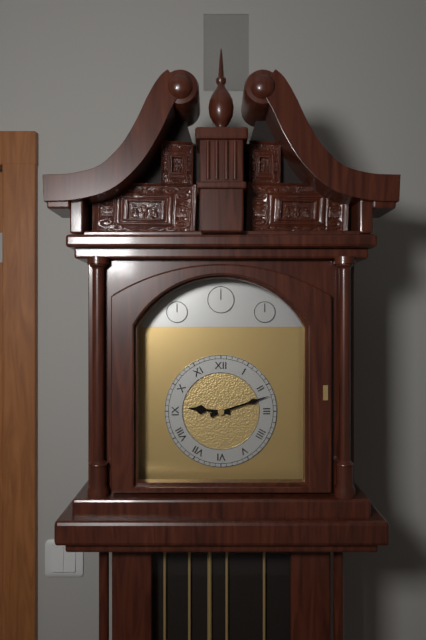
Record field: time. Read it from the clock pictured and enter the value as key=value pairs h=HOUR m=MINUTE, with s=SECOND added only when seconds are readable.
h=9 m=12
